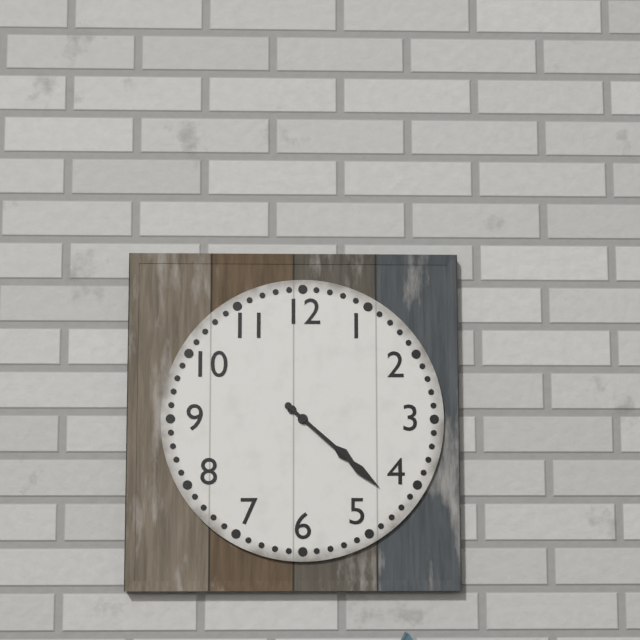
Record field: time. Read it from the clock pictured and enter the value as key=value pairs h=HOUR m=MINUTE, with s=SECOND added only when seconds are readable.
h=4 m=22
